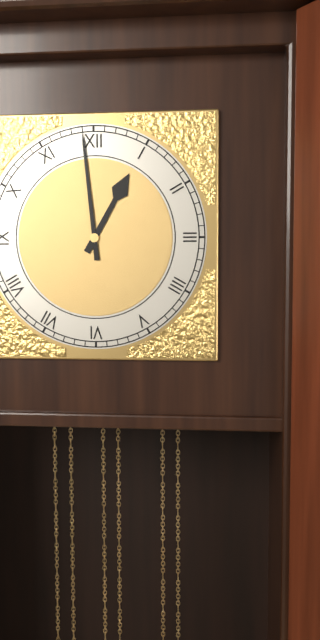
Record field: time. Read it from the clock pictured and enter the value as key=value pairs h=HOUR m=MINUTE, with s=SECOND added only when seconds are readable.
h=12 m=59
